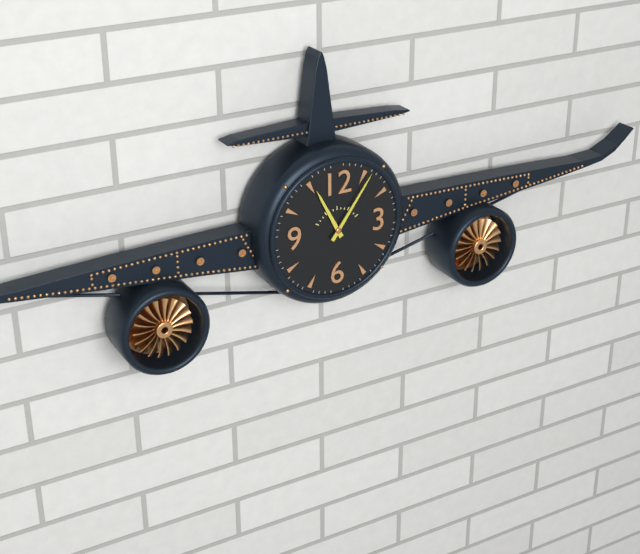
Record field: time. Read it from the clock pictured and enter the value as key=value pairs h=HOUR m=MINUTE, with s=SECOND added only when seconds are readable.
h=11 m=6
